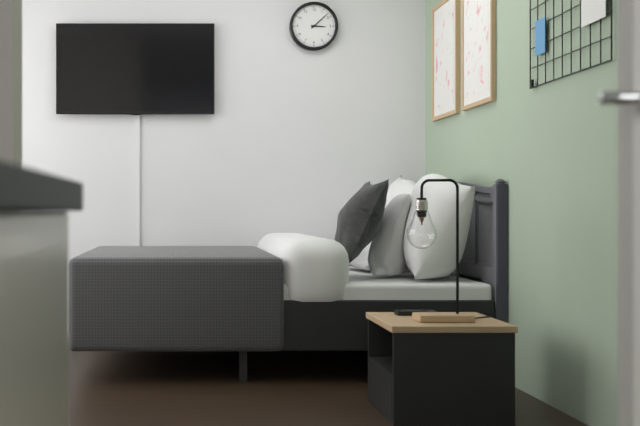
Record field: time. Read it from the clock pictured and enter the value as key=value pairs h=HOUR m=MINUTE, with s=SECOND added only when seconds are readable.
h=3 m=8
